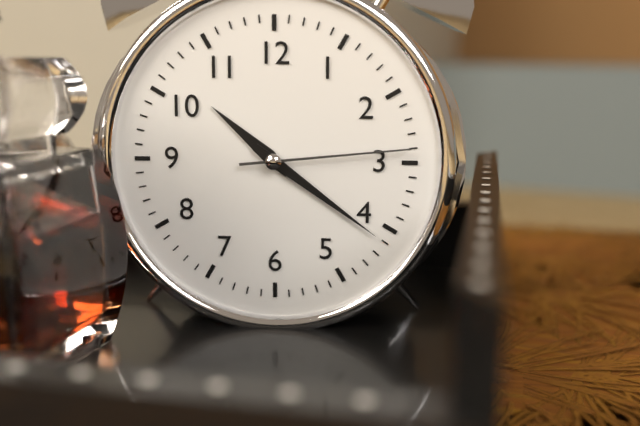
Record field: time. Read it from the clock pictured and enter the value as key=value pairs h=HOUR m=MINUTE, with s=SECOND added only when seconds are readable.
h=10 m=21 s=14
